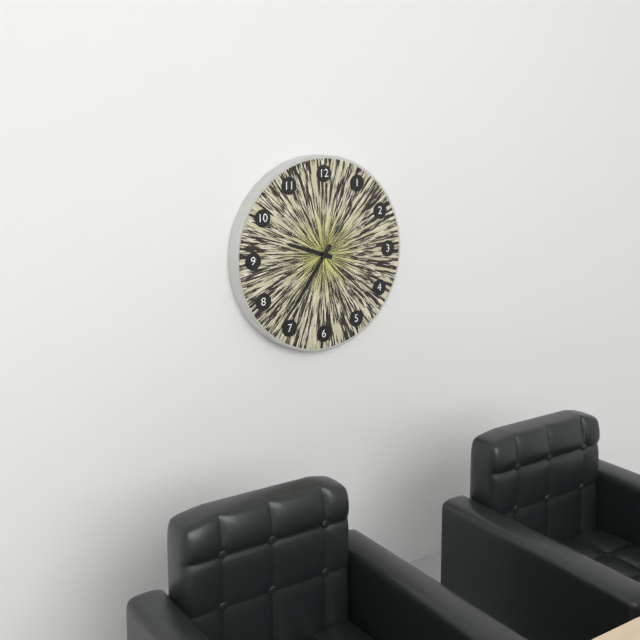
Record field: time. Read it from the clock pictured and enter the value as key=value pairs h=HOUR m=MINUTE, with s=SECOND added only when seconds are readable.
h=9 m=36
